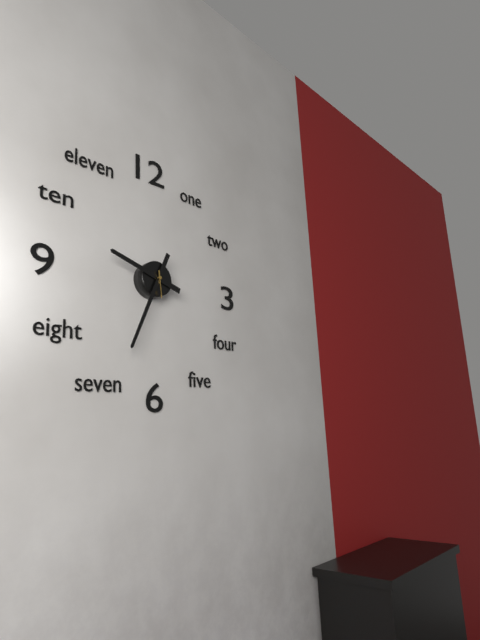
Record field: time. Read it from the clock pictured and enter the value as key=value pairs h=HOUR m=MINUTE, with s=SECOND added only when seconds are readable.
h=9 m=34
